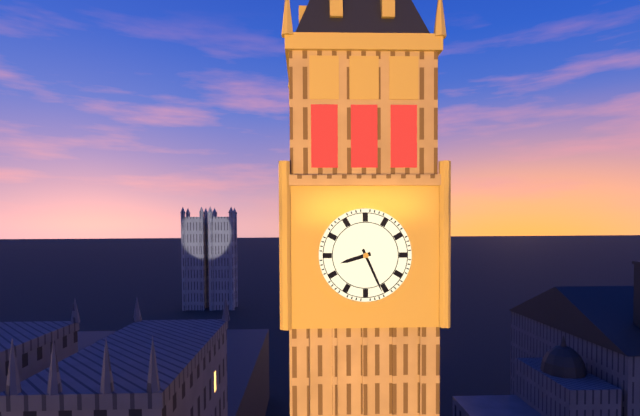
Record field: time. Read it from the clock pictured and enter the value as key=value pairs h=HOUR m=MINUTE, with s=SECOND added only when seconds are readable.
h=8 m=26
